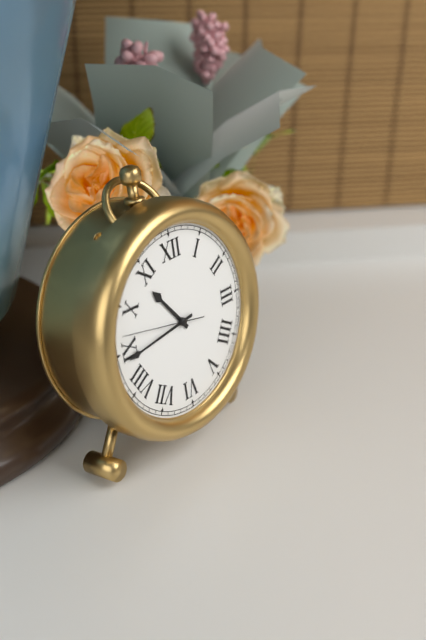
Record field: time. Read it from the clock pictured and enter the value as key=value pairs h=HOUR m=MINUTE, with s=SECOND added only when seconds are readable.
h=10 m=44 s=47
